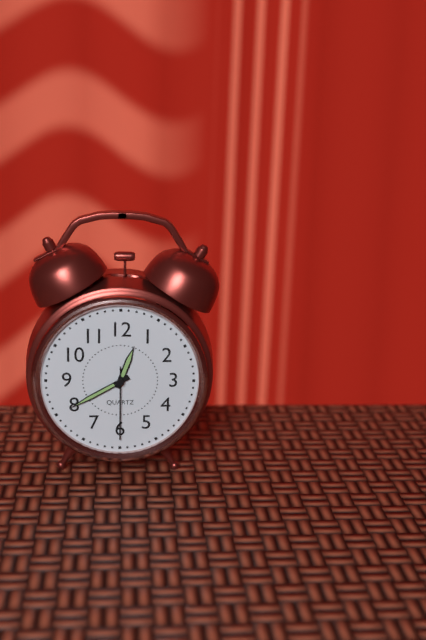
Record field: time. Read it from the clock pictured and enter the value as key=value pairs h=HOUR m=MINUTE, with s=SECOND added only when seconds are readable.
h=12 m=40 s=30
